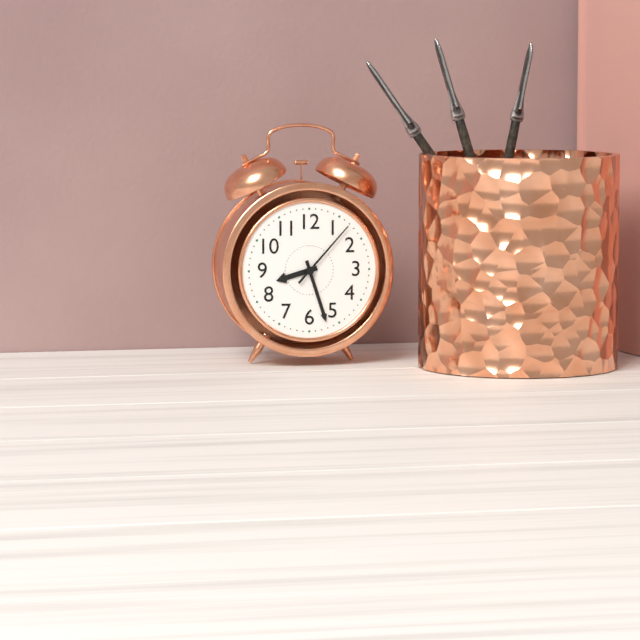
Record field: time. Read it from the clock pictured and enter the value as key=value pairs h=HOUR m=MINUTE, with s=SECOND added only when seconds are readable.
h=8 m=27 s=7
